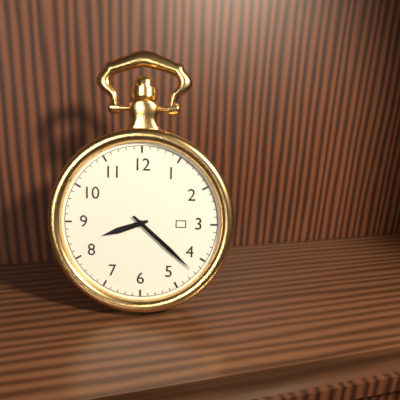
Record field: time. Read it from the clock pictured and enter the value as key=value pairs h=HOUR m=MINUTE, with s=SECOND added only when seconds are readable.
h=8 m=22
